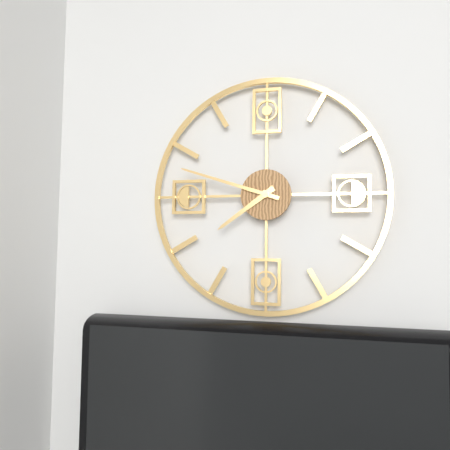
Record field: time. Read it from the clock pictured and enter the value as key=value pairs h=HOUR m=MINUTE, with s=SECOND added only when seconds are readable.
h=7 m=48
